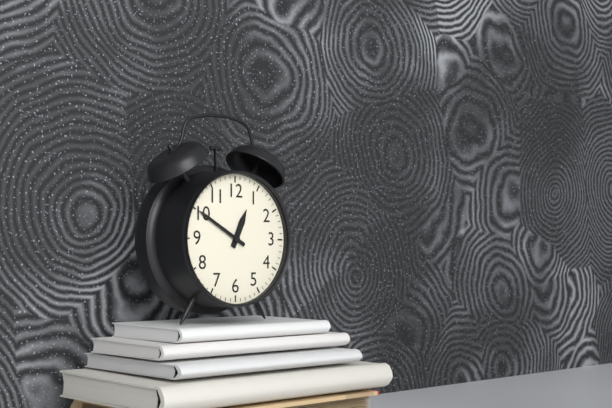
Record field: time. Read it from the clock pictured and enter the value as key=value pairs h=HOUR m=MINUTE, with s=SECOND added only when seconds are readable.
h=12 m=50
